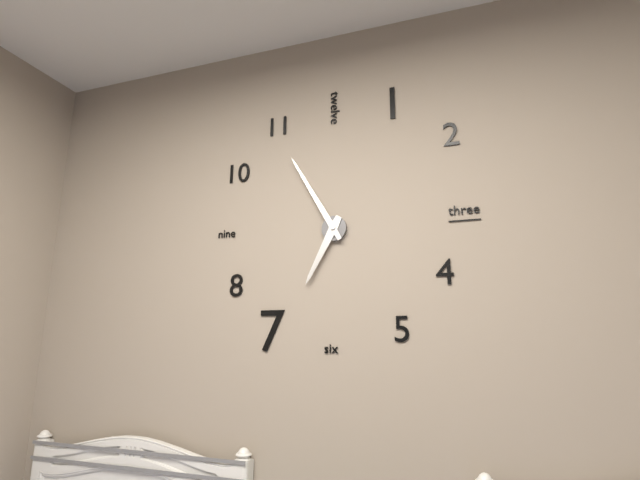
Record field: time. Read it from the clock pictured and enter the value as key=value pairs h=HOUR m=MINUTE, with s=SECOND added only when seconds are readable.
h=6 m=55
